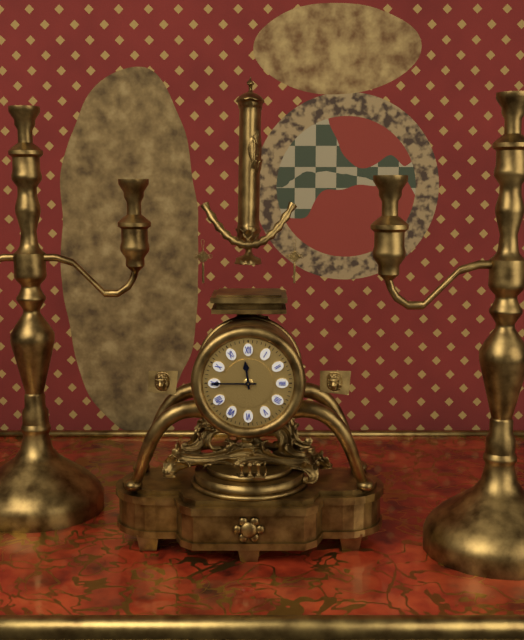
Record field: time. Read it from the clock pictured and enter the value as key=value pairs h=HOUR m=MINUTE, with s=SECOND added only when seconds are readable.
h=11 m=45
